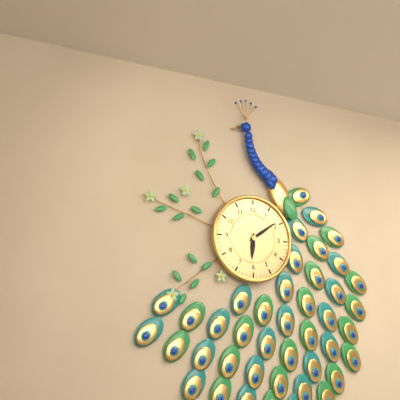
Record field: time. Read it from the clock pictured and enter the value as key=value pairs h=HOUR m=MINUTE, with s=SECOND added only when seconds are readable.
h=6 m=9
